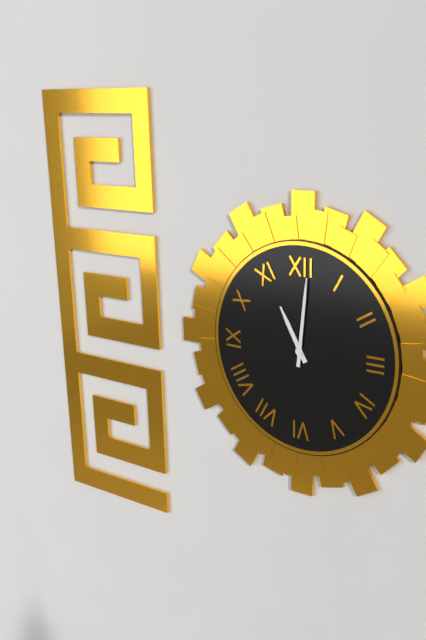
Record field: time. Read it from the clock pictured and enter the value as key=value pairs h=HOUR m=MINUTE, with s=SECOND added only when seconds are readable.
h=11 m=1
